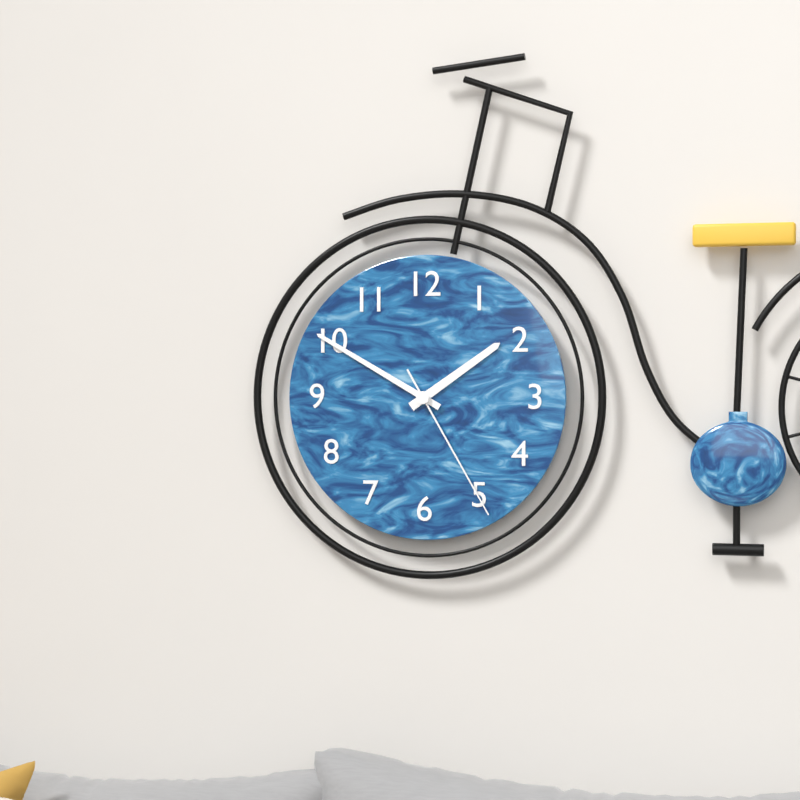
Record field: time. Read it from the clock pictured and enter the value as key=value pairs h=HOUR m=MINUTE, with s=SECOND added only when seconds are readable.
h=1 m=50 s=25
